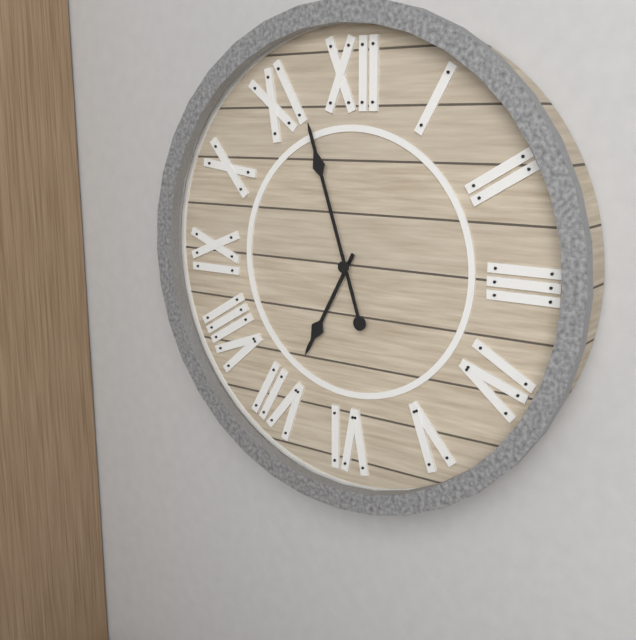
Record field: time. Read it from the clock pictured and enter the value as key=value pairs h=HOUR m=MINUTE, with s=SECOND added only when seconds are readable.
h=6 m=57
